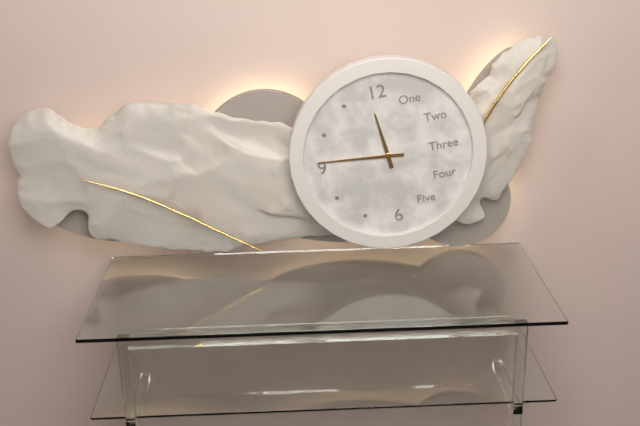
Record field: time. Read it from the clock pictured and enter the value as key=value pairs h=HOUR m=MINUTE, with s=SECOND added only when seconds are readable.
h=11 m=46
